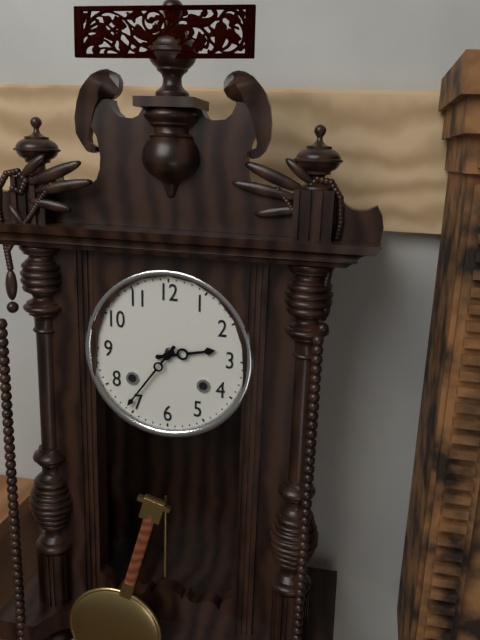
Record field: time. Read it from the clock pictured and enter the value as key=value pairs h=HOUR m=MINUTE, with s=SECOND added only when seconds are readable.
h=2 m=36
